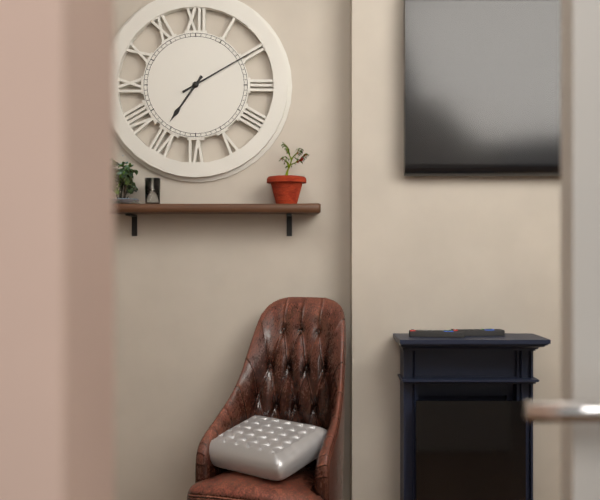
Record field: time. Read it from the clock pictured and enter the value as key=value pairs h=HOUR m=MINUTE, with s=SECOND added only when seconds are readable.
h=7 m=10
